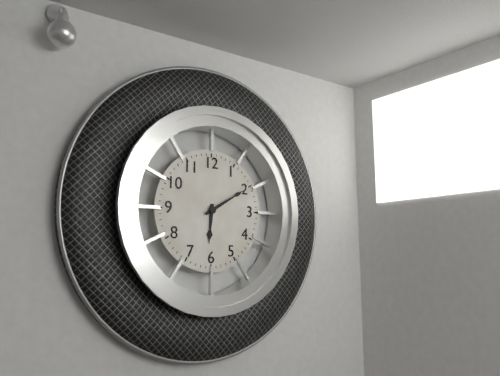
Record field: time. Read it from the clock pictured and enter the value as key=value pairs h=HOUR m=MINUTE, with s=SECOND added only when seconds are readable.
h=6 m=10
